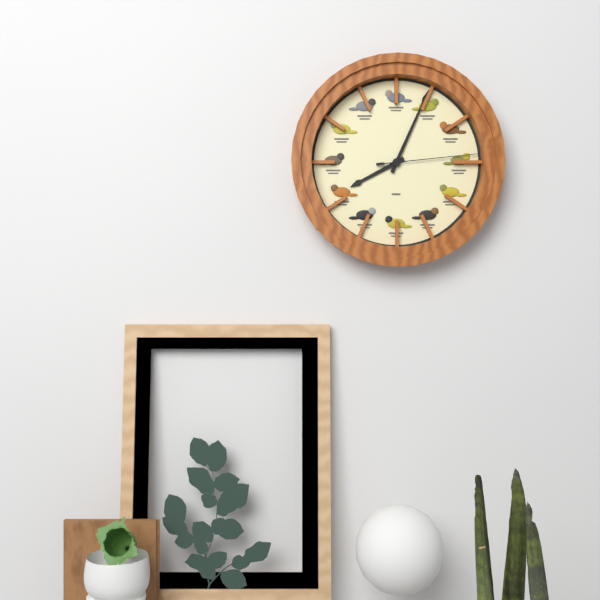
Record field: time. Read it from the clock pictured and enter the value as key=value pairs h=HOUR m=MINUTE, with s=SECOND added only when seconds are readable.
h=8 m=4 s=14
